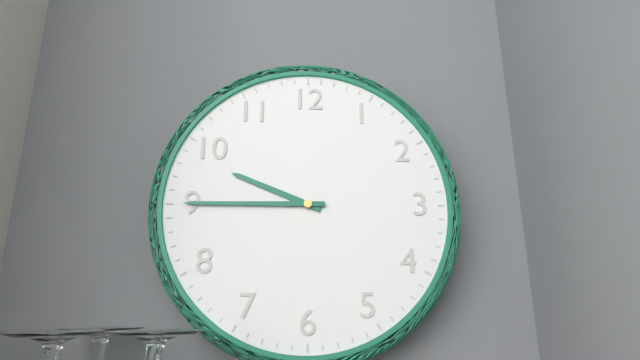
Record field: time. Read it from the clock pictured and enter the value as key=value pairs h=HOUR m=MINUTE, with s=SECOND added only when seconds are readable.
h=9 m=45
